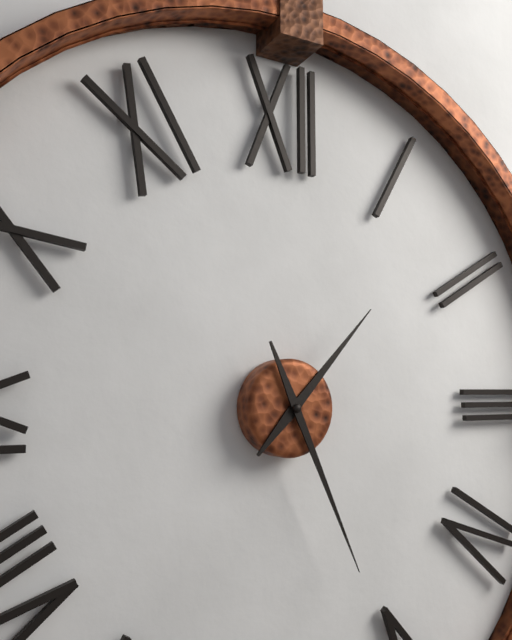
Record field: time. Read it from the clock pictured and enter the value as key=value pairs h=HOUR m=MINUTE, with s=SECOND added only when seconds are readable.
h=1 m=26
